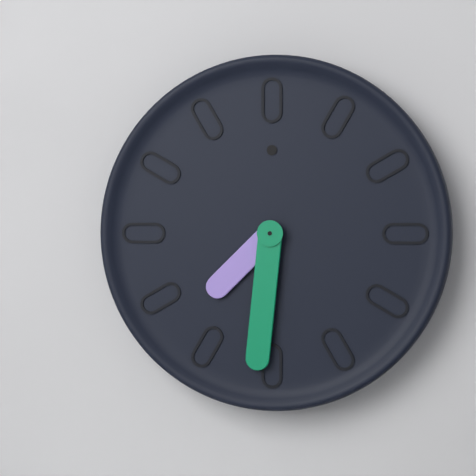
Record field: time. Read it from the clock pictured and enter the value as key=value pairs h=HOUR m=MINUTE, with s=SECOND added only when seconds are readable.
h=7 m=31
